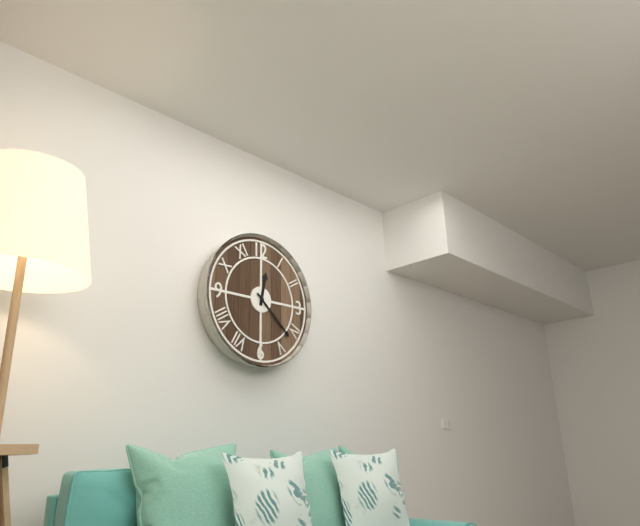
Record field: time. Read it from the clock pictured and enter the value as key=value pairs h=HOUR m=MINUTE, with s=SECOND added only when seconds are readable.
h=12 m=22
